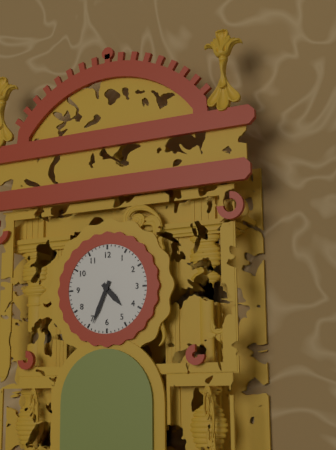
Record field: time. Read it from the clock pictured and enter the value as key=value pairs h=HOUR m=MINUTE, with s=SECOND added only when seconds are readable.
h=4 m=34
